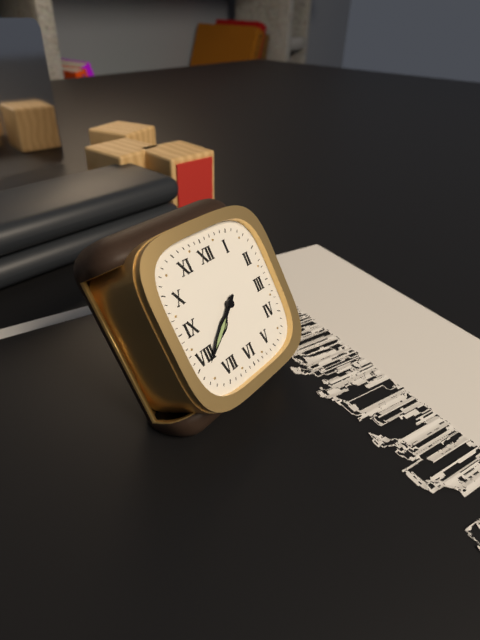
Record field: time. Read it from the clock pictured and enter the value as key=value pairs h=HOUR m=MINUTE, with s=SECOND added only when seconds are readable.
h=7 m=39
